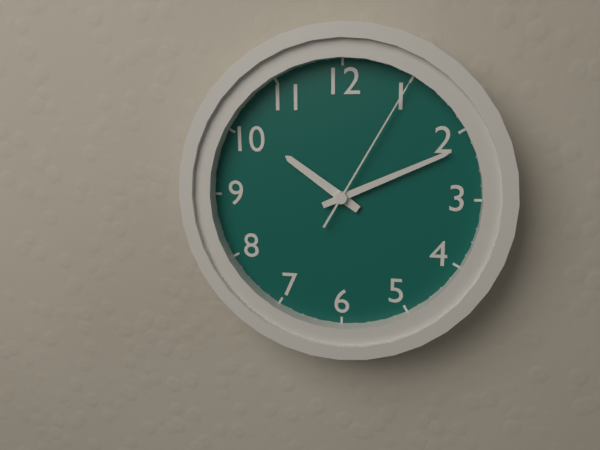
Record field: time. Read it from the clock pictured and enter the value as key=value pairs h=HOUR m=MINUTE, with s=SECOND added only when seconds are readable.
h=10 m=11 s=5
